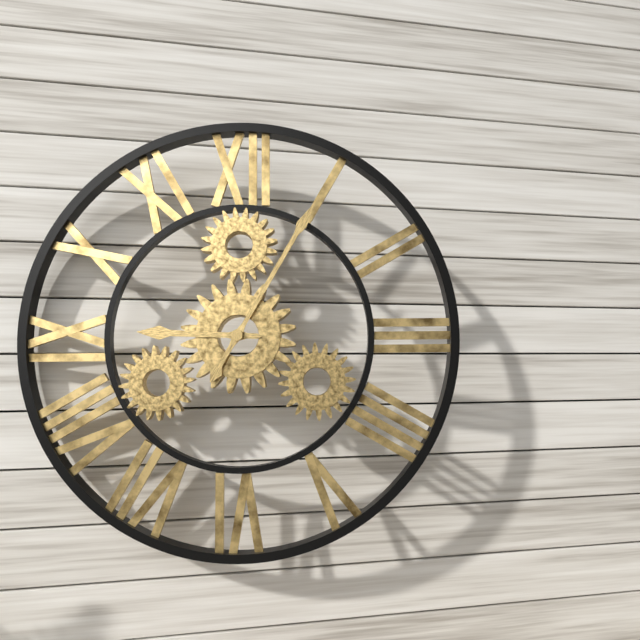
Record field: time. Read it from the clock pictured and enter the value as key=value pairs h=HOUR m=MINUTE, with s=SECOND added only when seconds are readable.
h=9 m=5
